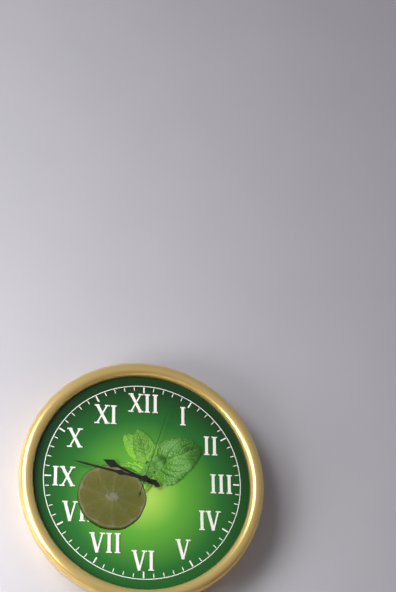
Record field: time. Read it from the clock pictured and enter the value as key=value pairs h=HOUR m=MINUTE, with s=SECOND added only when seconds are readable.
h=9 m=47 s=3
